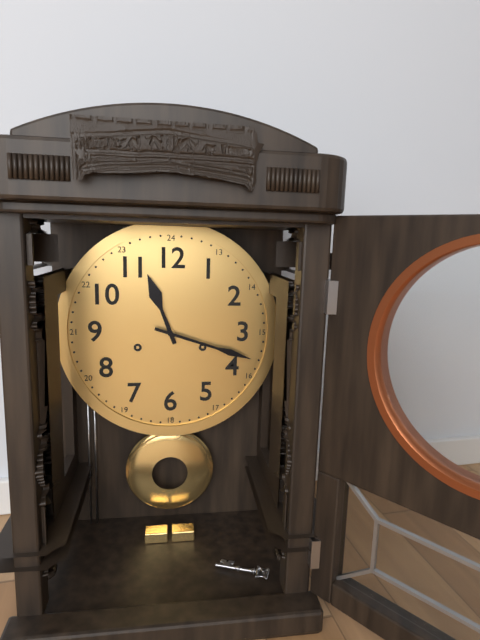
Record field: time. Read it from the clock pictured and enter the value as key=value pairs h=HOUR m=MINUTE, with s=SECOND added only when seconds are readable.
h=11 m=18
